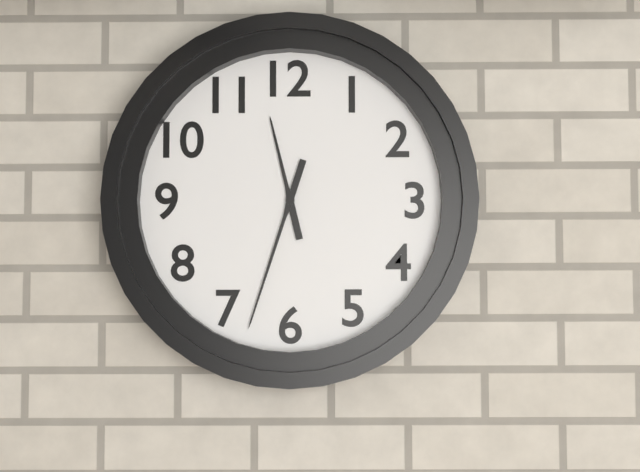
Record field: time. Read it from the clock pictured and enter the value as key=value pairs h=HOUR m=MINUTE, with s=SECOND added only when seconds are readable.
h=11 m=33
